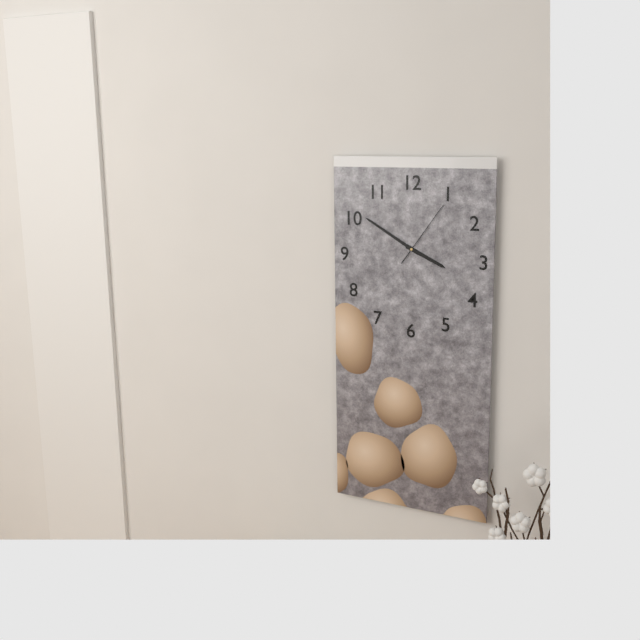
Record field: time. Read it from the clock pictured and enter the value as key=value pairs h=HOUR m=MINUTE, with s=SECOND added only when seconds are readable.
h=3 m=50 s=6
